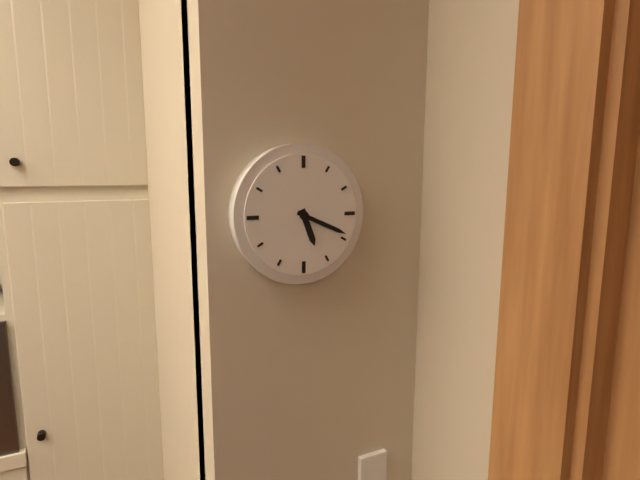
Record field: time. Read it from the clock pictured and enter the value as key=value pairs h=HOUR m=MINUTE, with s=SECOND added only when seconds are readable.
h=5 m=19
